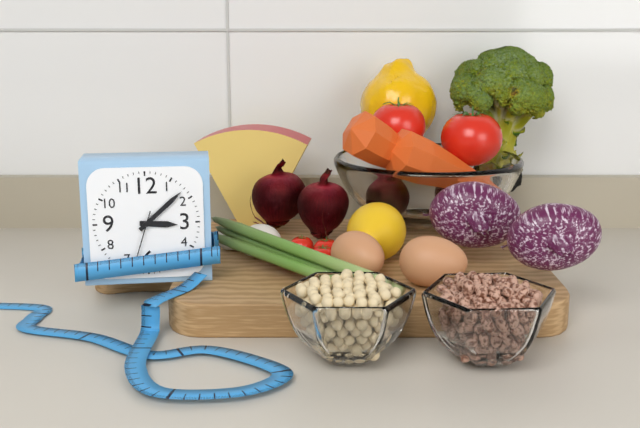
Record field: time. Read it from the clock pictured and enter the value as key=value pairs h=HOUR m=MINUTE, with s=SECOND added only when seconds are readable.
h=3 m=8 s=33
